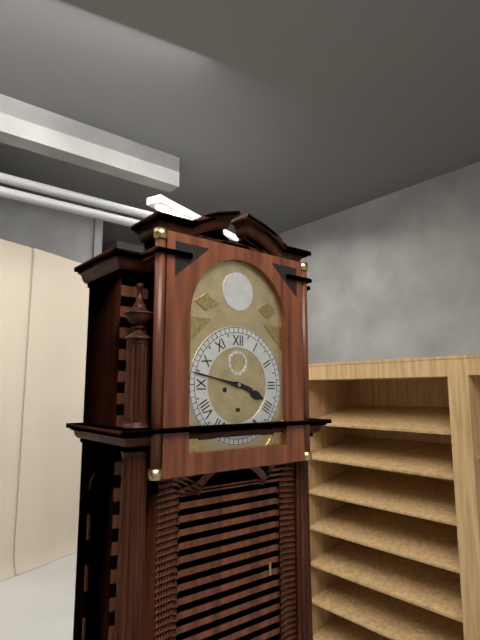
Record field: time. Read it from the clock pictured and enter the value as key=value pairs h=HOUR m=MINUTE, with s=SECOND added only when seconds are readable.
h=3 m=47
